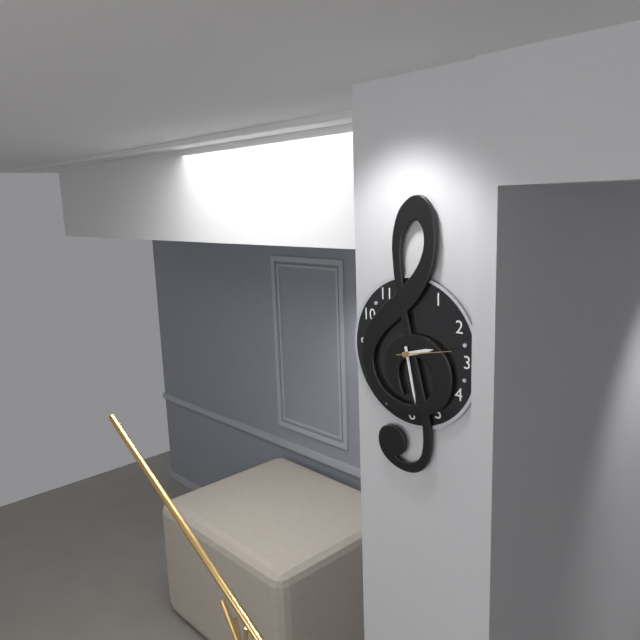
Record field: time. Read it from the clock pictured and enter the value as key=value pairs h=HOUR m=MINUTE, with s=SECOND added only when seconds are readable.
h=2 m=28 s=13
